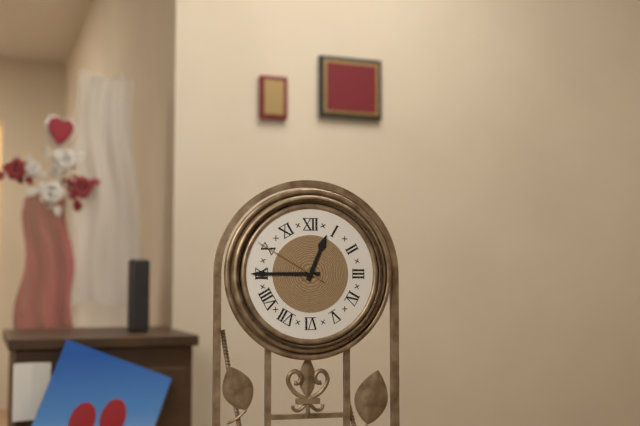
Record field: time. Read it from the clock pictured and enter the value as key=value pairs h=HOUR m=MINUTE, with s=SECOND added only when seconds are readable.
h=12 m=45 s=50
